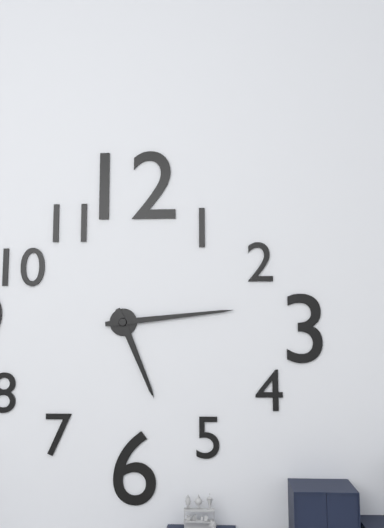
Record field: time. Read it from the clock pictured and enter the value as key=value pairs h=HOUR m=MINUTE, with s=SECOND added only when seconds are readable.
h=5 m=14
